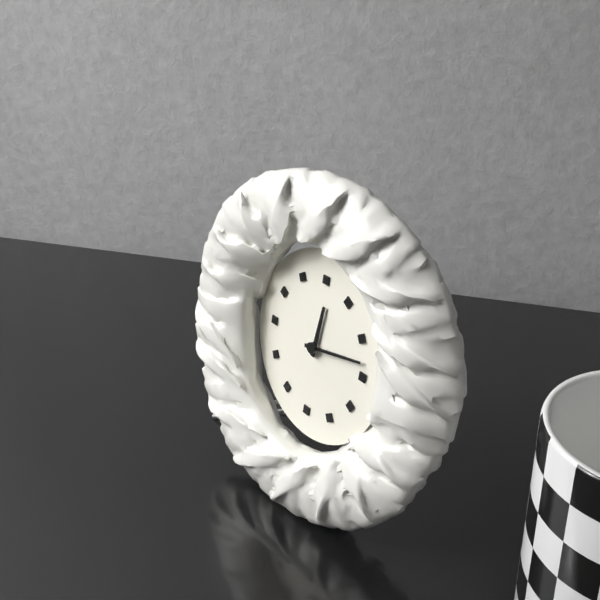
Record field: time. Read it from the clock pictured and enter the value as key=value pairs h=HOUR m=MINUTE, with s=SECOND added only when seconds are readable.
h=12 m=13
